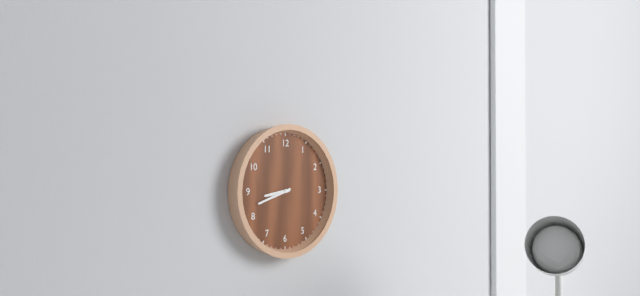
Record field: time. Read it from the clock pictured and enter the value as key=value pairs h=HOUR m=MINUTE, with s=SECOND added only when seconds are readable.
h=8 m=42
